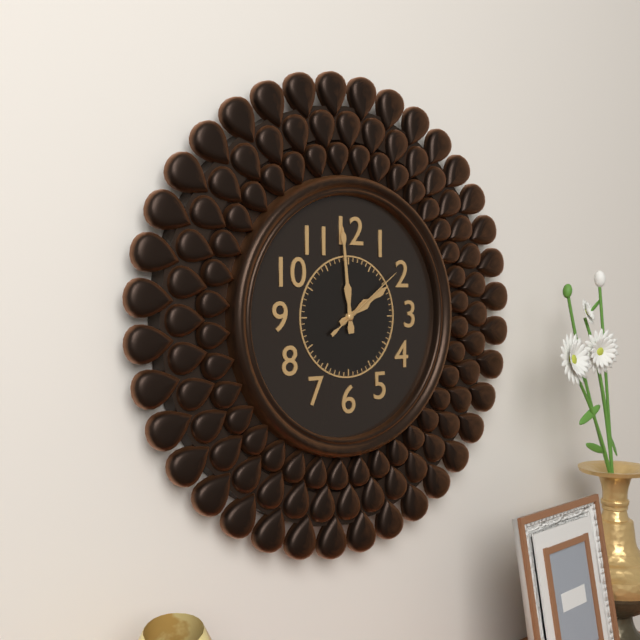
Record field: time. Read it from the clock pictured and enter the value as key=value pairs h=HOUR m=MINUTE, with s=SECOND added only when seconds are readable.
h=1 m=59 s=9
